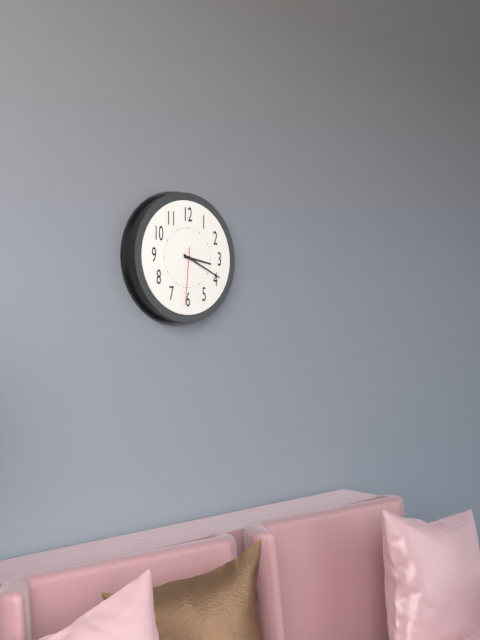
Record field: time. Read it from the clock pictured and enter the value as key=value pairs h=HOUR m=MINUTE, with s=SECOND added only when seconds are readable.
h=3 m=19 s=31
